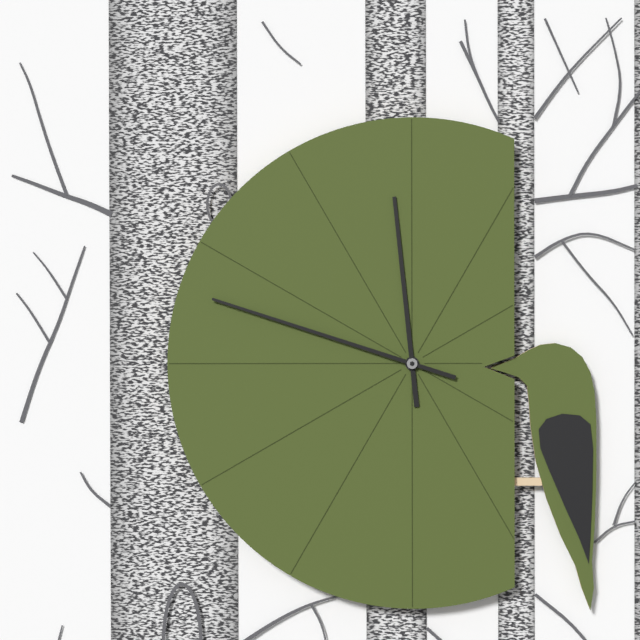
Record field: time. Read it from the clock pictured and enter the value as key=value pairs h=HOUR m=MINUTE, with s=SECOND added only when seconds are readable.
h=11 m=48
